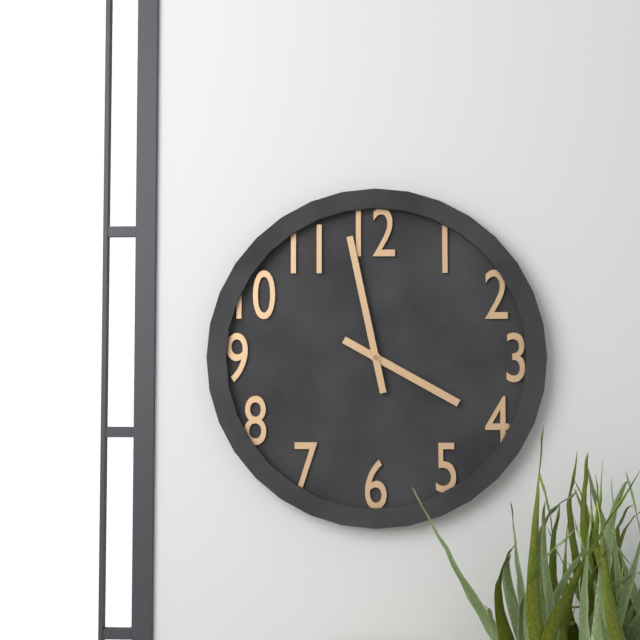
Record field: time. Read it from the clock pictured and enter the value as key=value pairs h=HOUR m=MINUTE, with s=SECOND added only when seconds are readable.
h=3 m=58
